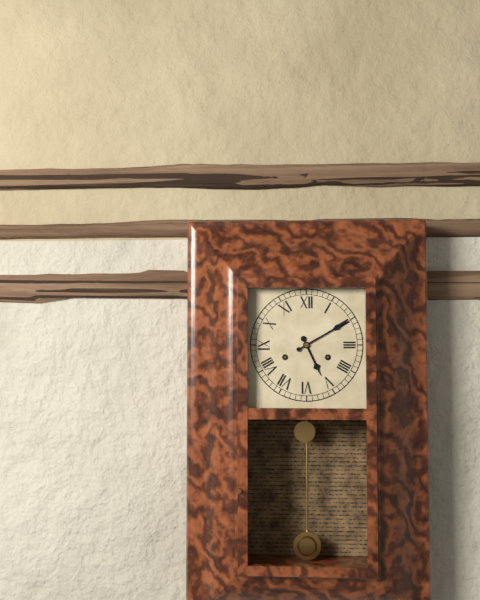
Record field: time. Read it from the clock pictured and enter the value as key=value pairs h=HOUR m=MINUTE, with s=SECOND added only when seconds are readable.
h=5 m=10
